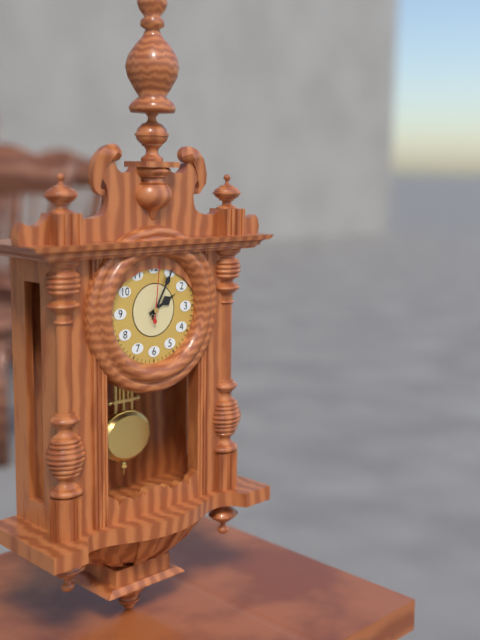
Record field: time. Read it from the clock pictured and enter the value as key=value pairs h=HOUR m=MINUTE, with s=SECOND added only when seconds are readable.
h=2 m=5 s=1
